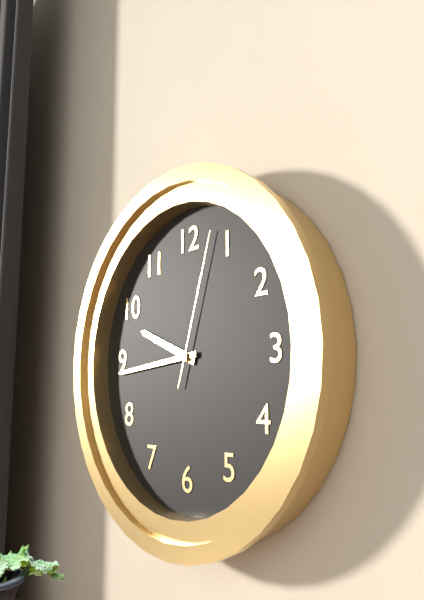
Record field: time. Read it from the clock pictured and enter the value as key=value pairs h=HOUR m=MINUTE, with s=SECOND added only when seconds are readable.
h=9 m=44 s=3
